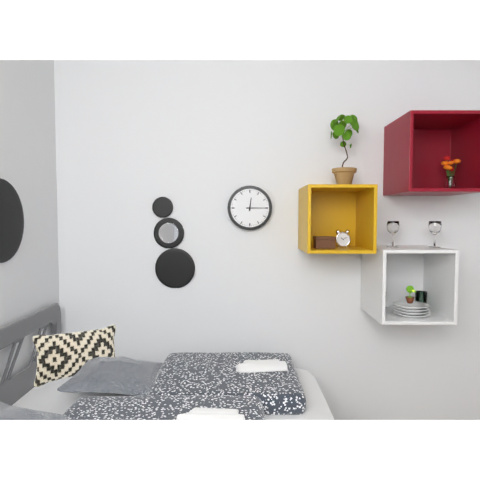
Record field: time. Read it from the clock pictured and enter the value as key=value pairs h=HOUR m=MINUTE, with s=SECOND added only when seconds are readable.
h=12 m=15
